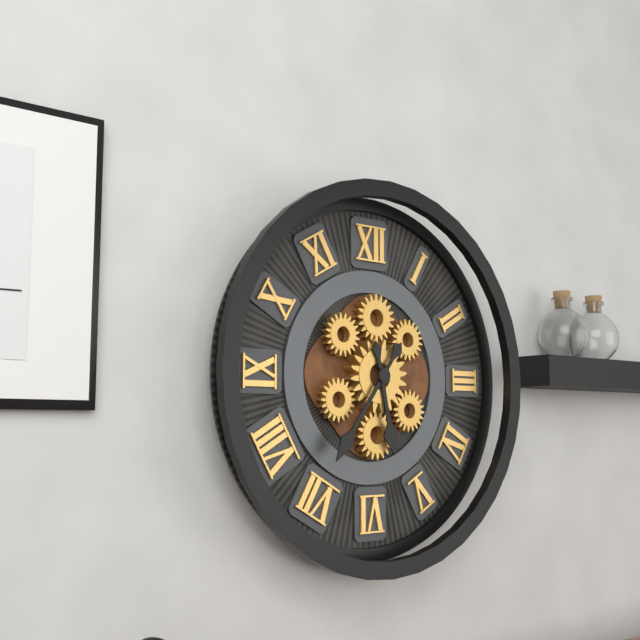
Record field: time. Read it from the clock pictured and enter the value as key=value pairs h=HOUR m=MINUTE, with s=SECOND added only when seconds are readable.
h=5 m=36
